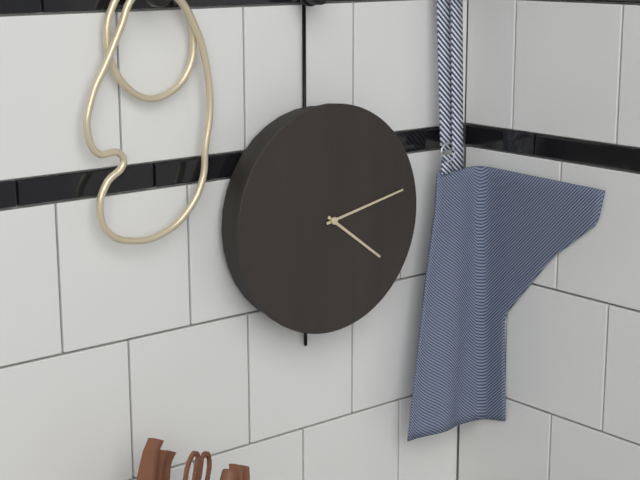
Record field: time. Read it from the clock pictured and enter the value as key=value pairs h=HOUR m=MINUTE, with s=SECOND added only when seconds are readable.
h=4 m=13
